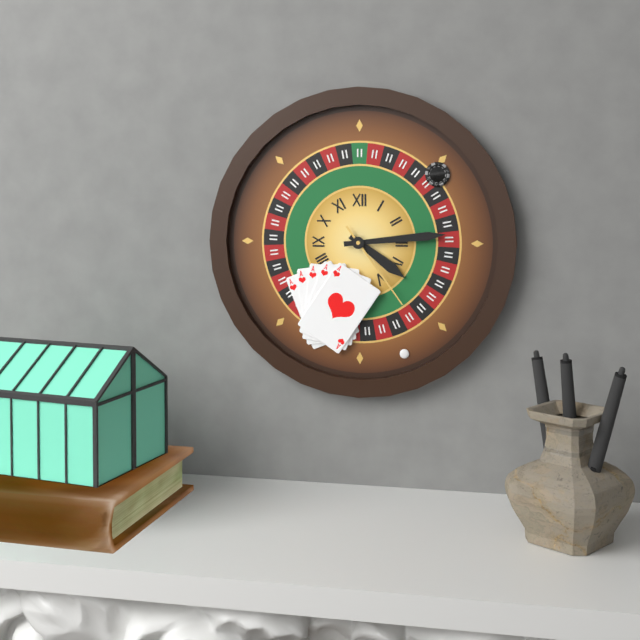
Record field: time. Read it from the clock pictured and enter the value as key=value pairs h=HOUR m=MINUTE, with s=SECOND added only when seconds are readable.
h=4 m=14 s=24
